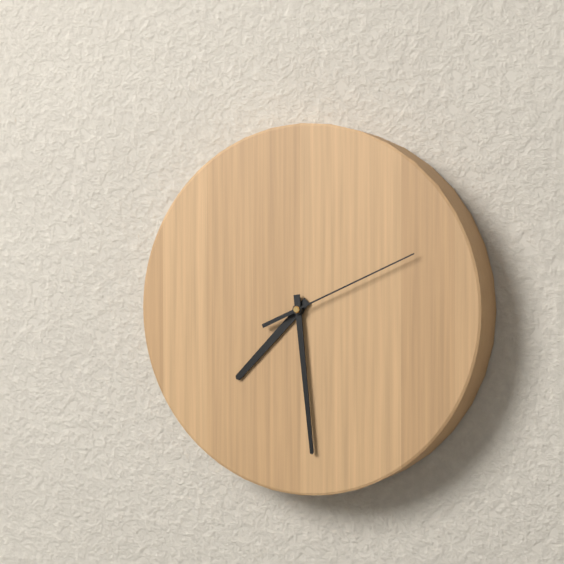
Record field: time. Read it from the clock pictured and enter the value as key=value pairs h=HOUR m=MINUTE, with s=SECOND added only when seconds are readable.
h=7 m=29 s=11
